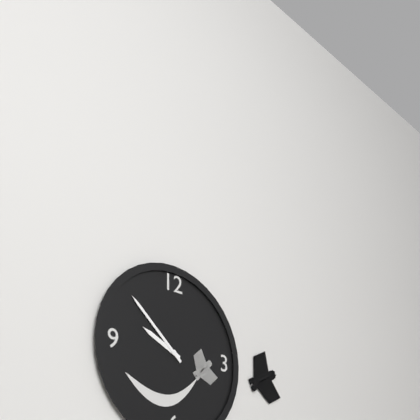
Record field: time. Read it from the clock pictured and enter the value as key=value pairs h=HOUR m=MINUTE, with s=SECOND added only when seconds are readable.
h=9 m=52
